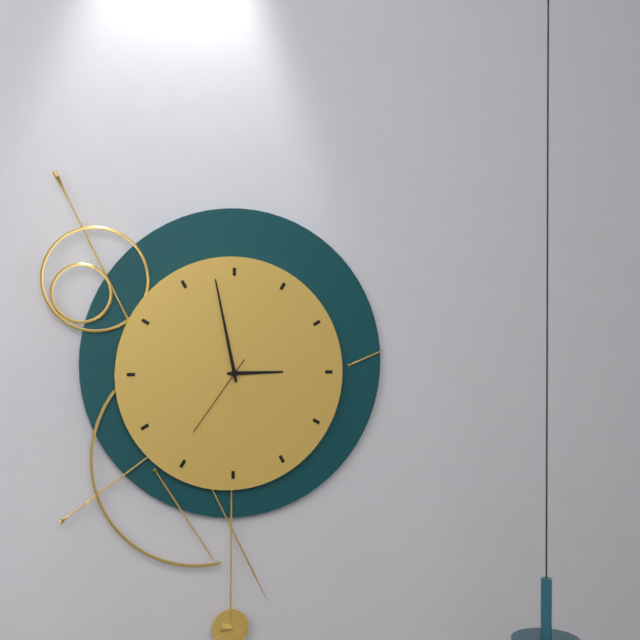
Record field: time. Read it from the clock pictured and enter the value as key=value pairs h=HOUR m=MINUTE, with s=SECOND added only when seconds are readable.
h=2 m=58 s=36
